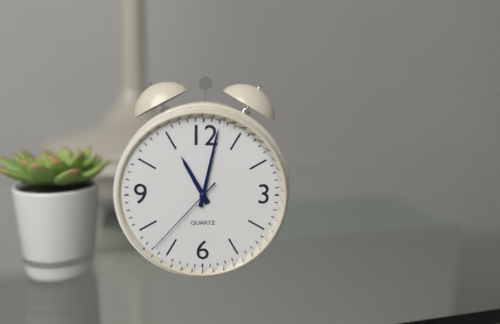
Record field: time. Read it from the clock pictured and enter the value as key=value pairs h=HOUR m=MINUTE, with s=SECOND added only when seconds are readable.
h=11 m=2 s=37
